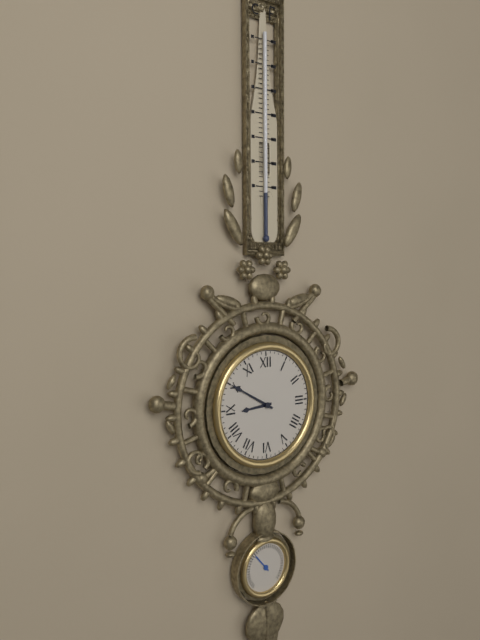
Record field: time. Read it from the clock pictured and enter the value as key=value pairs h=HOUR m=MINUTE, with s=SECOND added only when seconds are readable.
h=8 m=50
